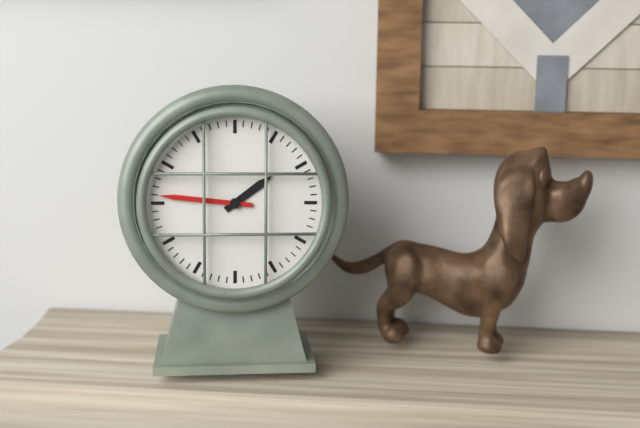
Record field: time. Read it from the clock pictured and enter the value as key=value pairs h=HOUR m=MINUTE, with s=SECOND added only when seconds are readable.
h=1 m=46
